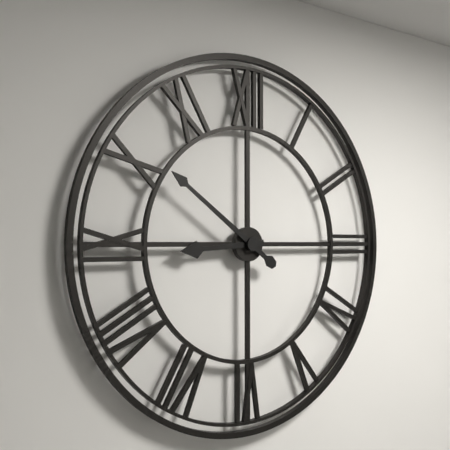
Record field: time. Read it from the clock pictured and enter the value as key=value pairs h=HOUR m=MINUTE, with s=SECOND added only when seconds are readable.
h=8 m=51
